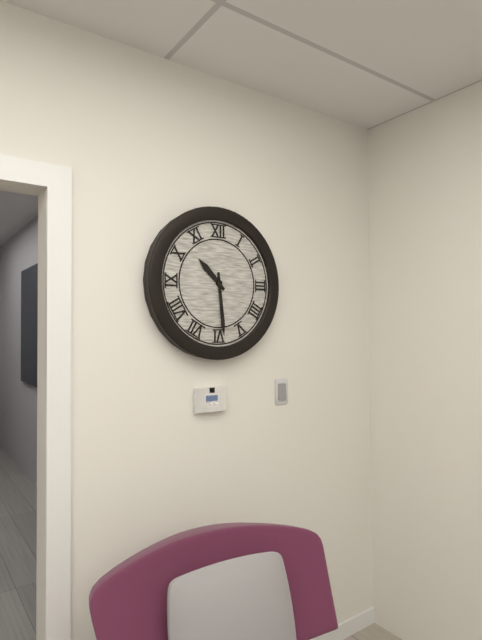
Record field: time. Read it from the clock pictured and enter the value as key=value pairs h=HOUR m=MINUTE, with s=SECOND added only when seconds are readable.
h=10 m=29
